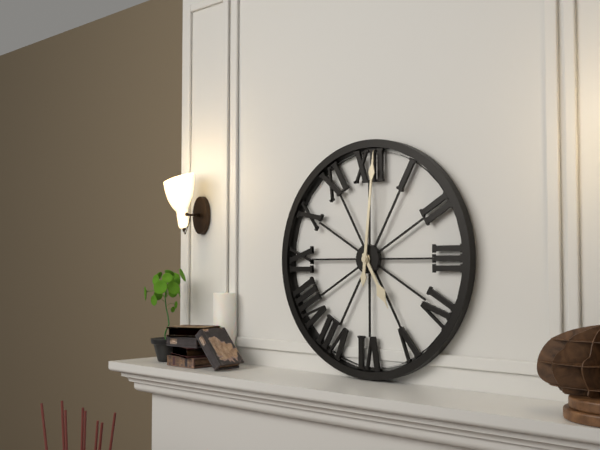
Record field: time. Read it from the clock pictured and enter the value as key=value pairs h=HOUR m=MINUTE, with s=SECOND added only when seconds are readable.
h=5 m=1
